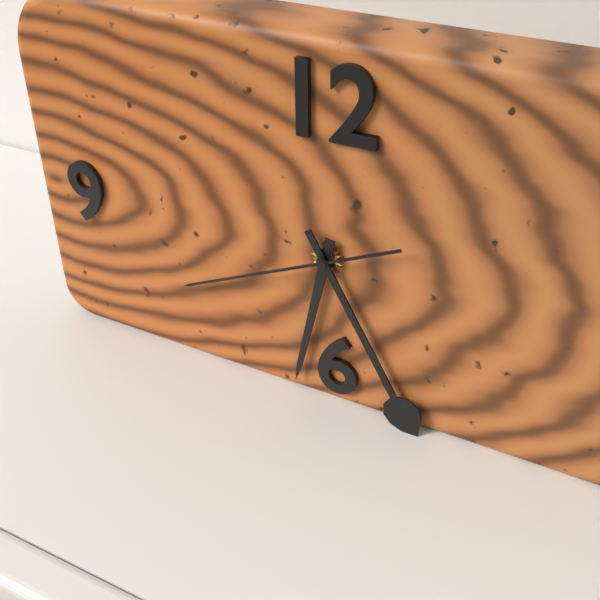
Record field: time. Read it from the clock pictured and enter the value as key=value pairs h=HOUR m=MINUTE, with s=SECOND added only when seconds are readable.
h=6 m=25 s=41
